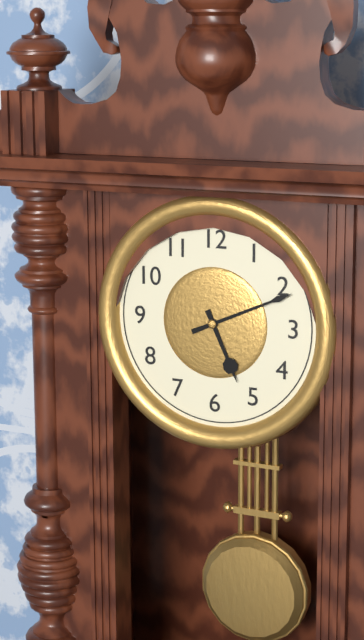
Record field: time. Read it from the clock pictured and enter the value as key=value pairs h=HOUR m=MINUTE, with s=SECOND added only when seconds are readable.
h=5 m=11
